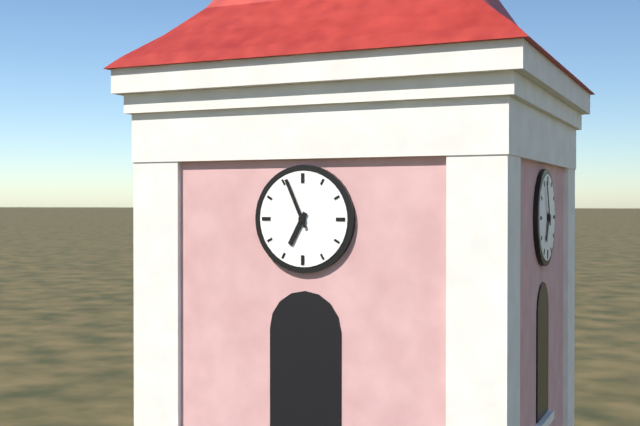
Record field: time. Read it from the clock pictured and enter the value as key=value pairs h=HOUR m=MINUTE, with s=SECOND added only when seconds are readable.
h=6 m=56
